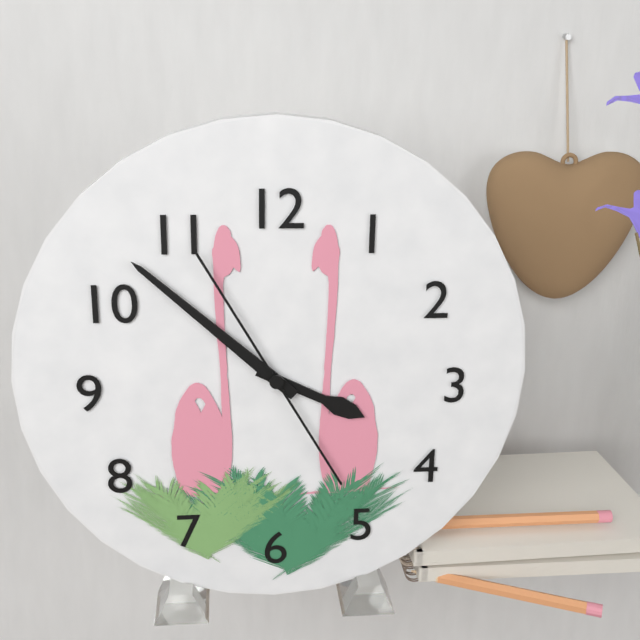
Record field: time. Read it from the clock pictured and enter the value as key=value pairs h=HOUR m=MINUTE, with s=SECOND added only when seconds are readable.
h=3 m=52 s=55
